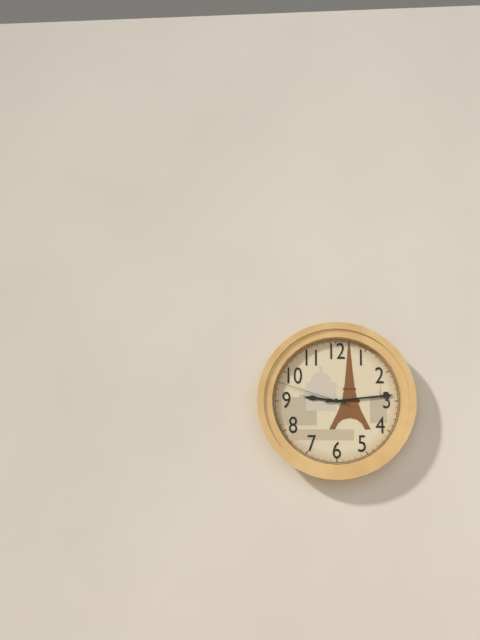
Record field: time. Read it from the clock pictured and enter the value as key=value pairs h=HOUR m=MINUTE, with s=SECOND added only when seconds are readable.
h=9 m=14 s=48
